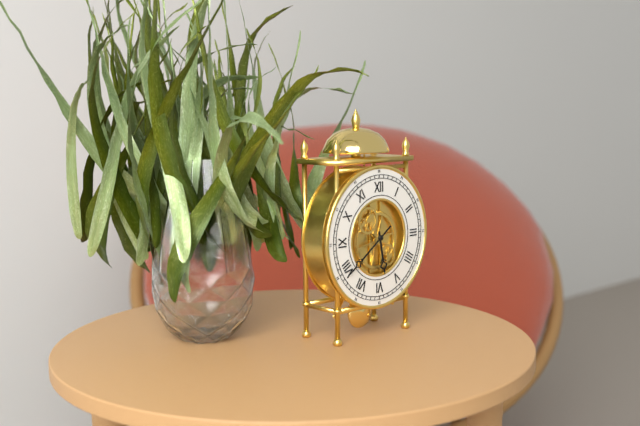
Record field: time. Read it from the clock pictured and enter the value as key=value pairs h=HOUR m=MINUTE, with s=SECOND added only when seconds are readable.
h=5 m=39
